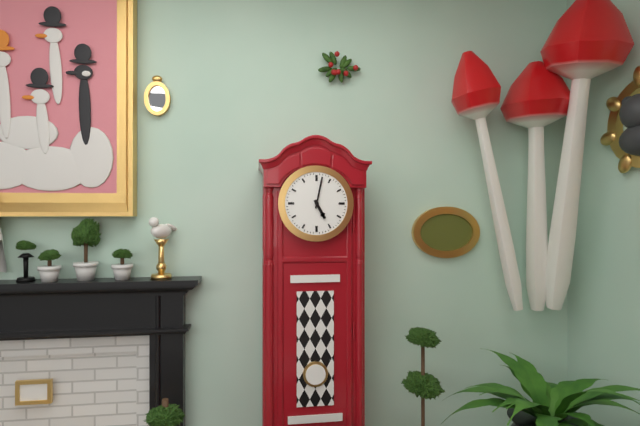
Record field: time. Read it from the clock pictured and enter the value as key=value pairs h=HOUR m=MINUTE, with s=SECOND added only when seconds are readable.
h=5 m=2
